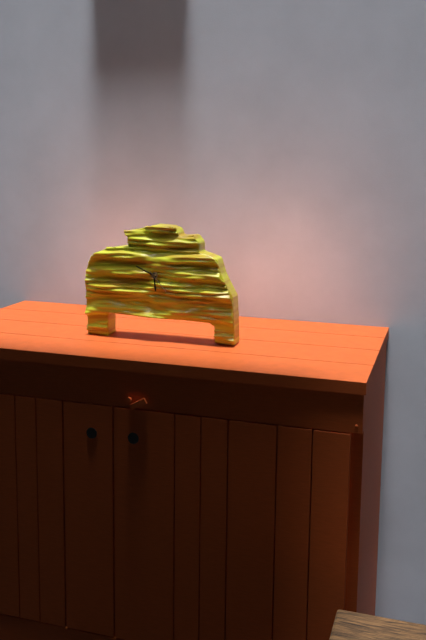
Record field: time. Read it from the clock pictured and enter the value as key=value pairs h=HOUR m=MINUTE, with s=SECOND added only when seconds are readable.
h=5 m=49
